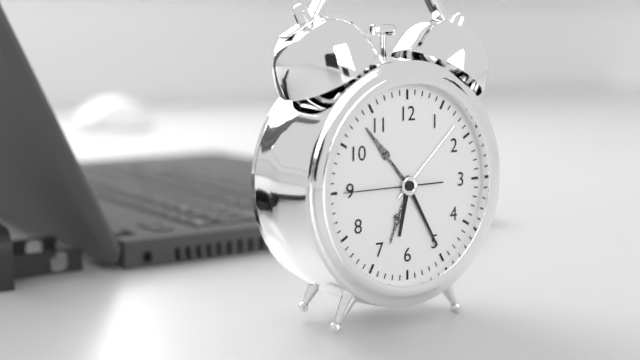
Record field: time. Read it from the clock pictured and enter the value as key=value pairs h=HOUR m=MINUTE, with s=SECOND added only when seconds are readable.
h=6 m=25 s=45
